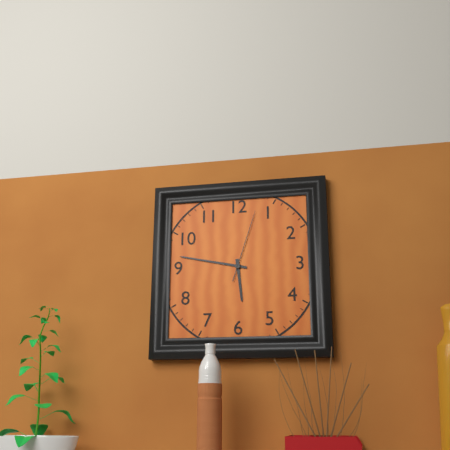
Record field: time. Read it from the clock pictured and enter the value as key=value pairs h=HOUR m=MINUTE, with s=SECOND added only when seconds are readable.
h=5 m=47 s=3
